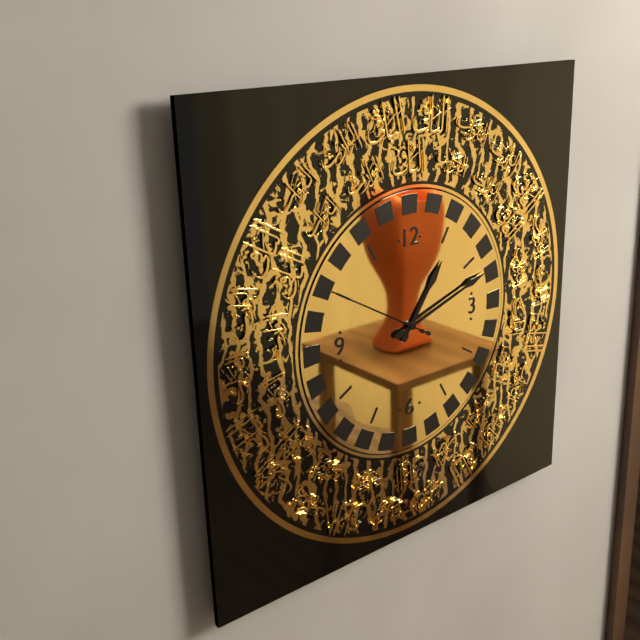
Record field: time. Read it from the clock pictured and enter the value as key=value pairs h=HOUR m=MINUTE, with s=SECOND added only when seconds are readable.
h=1 m=12 s=50
